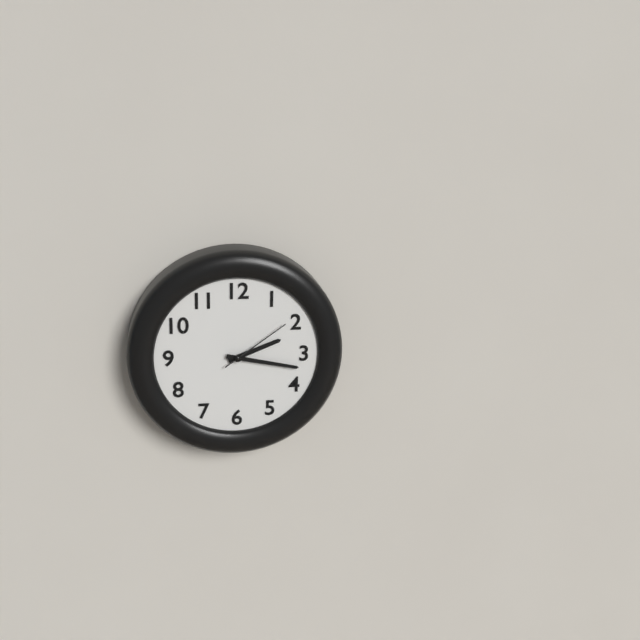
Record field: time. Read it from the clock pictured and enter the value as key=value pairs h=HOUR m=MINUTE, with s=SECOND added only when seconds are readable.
h=2 m=17 s=9
